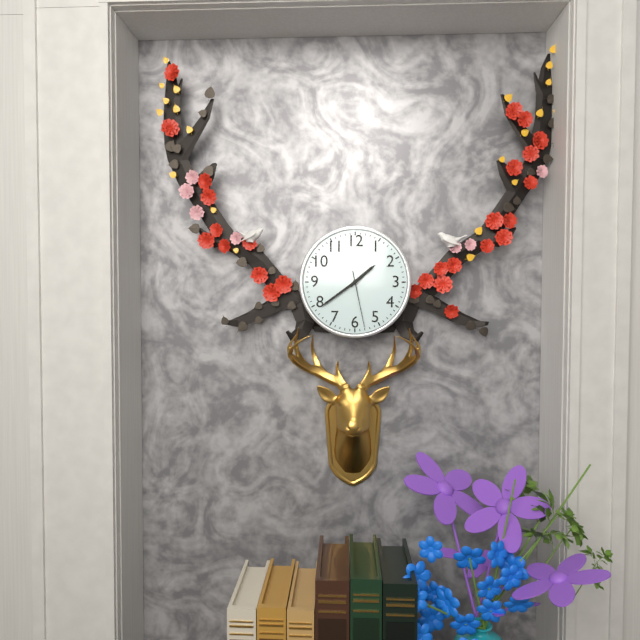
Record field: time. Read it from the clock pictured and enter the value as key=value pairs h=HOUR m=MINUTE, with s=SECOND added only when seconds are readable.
h=1 m=39 s=28
